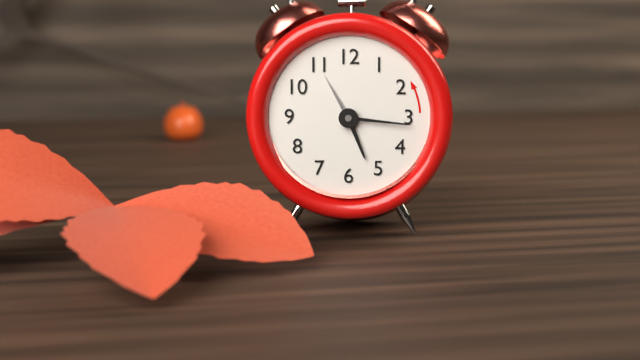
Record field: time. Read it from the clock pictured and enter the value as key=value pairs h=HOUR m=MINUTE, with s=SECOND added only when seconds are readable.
h=5 m=16 s=55
